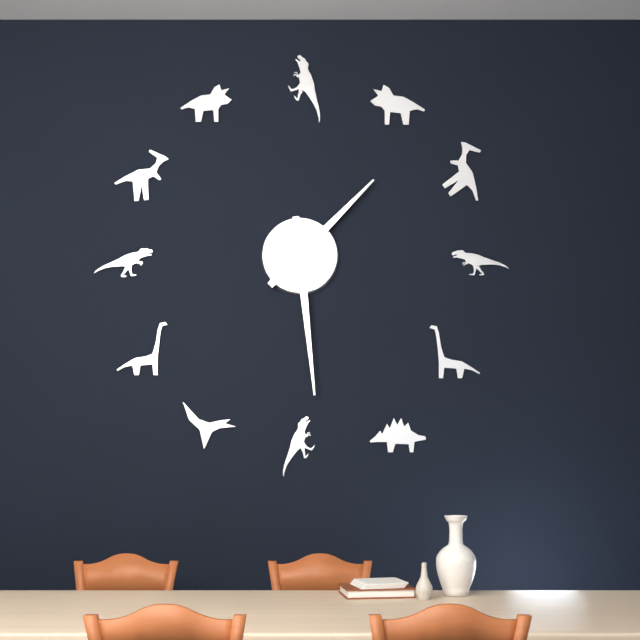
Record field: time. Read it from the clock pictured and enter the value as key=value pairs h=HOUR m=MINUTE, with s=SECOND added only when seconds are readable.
h=1 m=29
